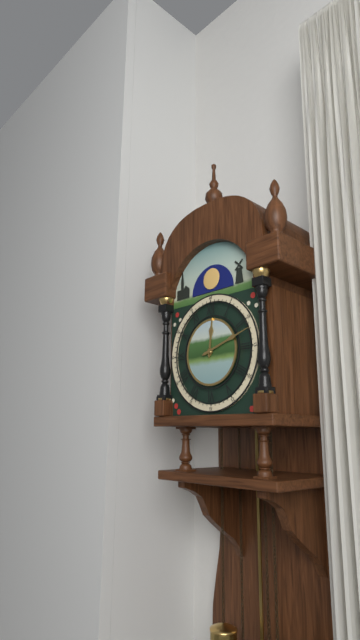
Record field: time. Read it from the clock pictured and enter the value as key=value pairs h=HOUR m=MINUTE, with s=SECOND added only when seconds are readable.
h=12 m=12
